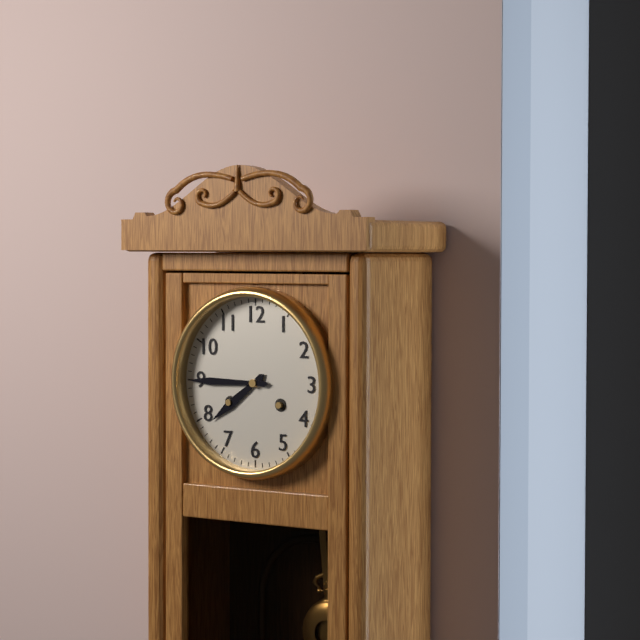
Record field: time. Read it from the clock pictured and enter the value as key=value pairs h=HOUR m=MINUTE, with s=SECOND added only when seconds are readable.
h=7 m=45
